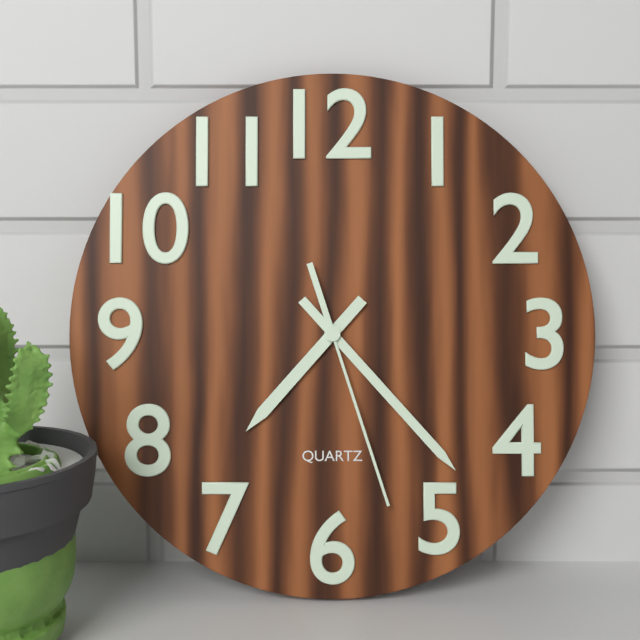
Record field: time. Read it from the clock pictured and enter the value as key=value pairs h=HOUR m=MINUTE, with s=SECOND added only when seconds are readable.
h=7 m=23 s=27
